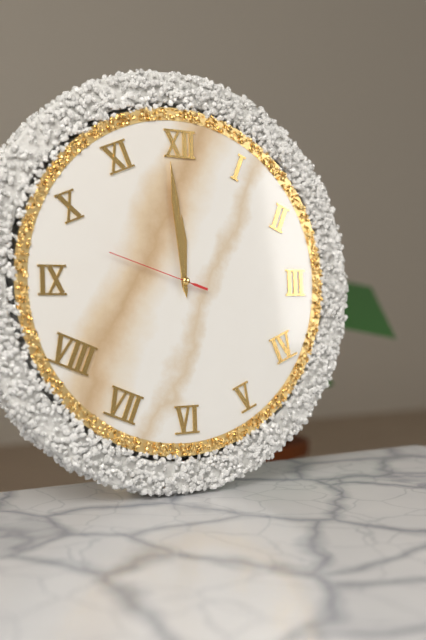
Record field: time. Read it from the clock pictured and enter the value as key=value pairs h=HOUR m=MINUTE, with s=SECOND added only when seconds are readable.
h=11 m=59 s=48
